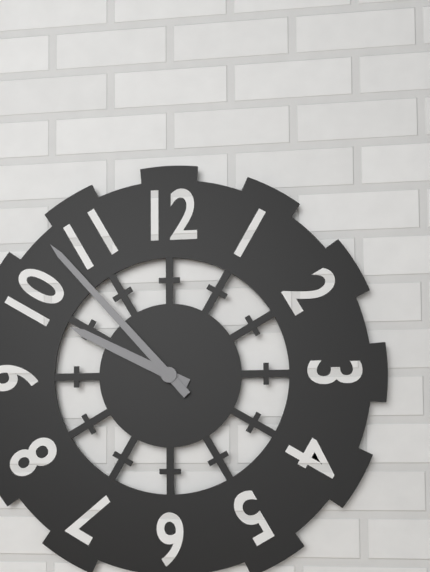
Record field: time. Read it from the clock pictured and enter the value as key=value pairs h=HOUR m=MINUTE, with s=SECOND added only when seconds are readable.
h=9 m=53
